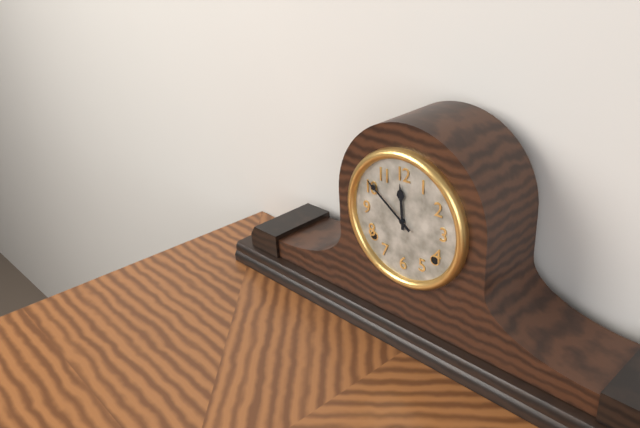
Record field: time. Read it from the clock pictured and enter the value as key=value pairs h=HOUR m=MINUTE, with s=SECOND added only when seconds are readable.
h=11 m=51
